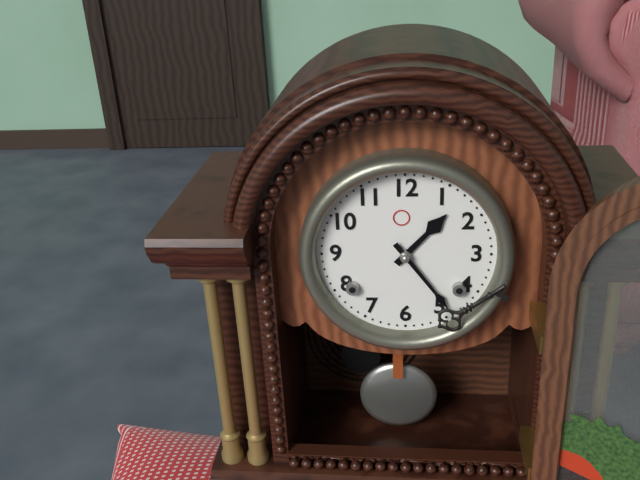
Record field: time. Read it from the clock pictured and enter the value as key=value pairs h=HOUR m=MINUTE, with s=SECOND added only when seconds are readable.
h=1 m=24
